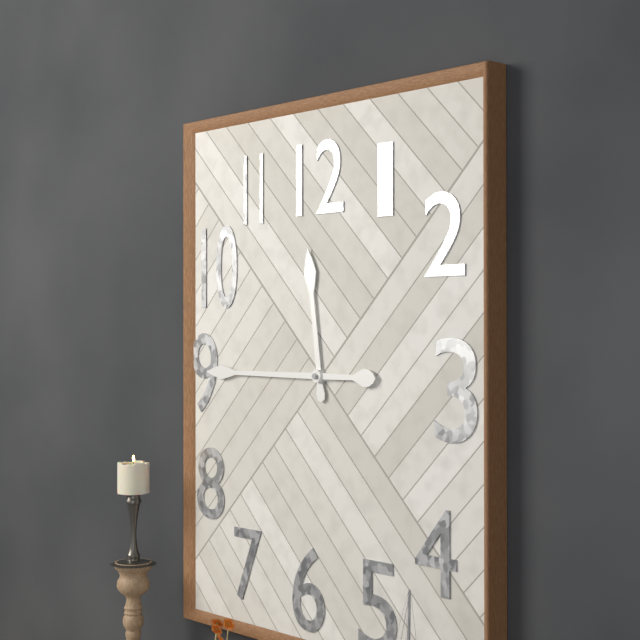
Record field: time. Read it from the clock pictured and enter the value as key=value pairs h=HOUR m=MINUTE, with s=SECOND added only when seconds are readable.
h=11 m=45
